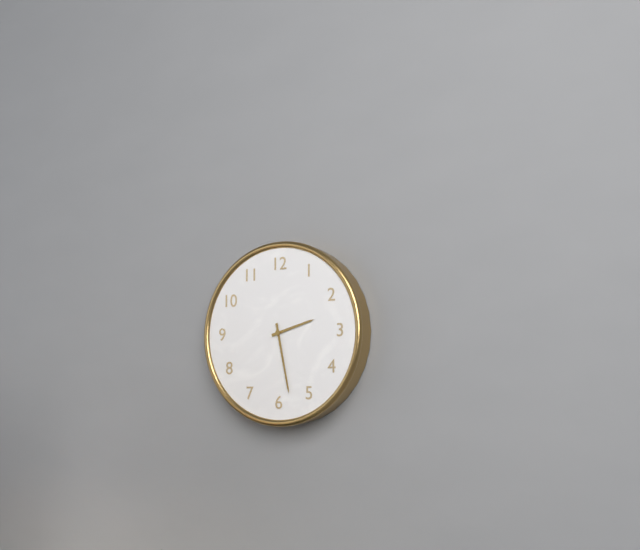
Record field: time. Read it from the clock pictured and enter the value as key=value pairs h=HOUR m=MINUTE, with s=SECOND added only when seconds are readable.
h=2 m=28
